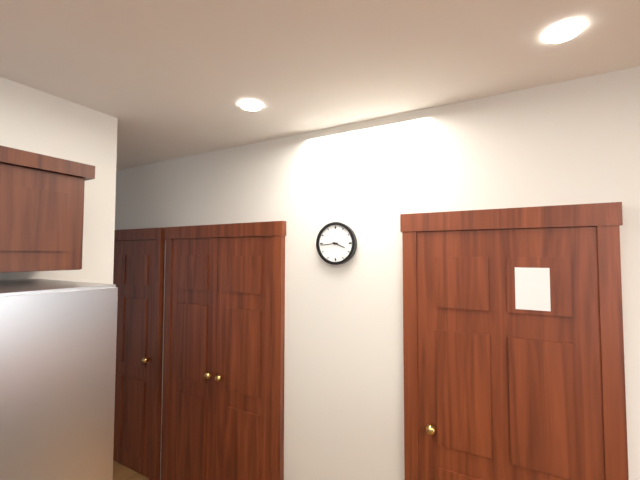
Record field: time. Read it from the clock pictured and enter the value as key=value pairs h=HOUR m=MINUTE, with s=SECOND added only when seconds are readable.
h=3 m=44
